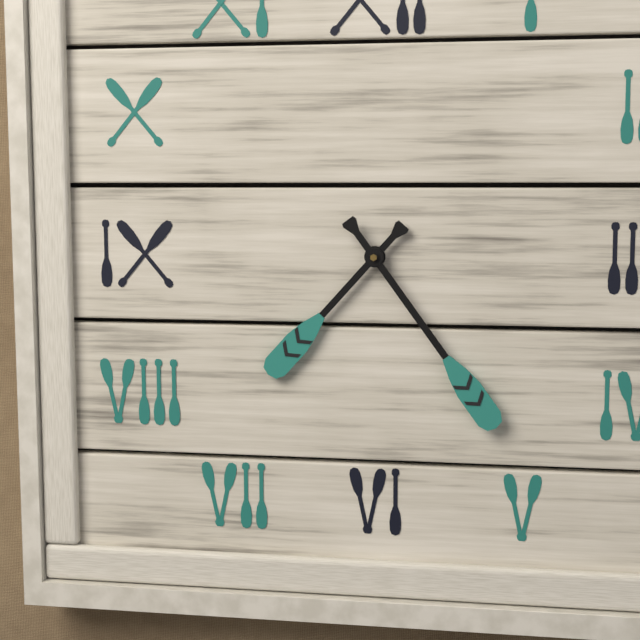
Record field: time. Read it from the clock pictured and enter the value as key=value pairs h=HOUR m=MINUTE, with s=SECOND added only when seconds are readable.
h=7 m=24
